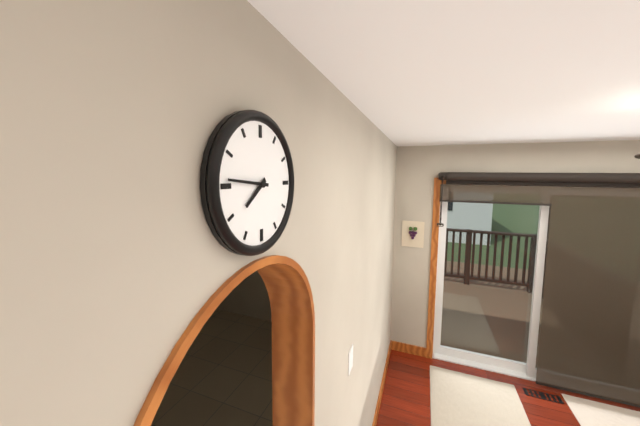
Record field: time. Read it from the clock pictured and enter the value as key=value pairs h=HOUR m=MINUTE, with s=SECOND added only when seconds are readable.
h=7 m=46
